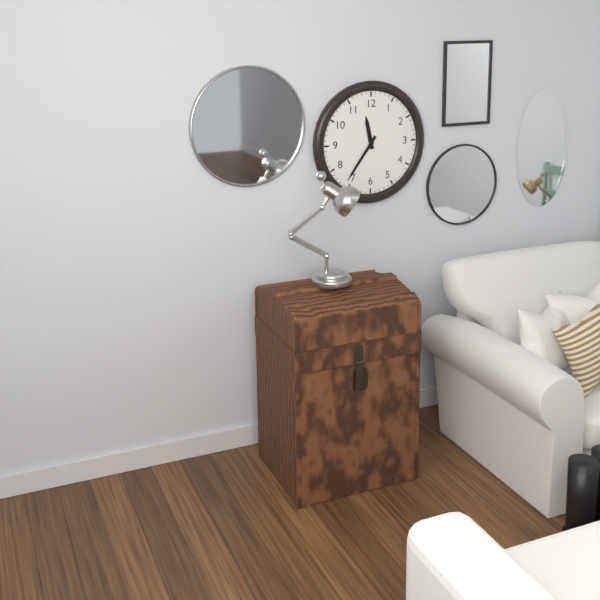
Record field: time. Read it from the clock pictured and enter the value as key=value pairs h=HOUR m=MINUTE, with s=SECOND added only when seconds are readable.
h=11 m=36
